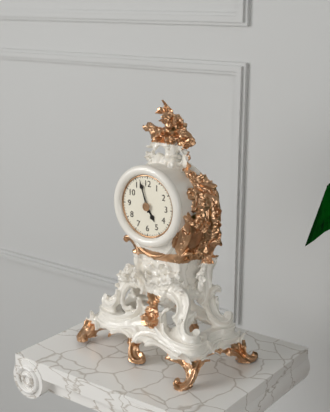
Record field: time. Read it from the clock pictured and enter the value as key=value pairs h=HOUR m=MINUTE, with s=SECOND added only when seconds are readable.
h=4 m=57
